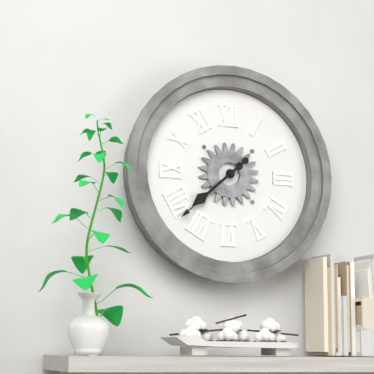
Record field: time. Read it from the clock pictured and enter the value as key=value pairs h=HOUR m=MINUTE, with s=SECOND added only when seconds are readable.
h=7 m=38
